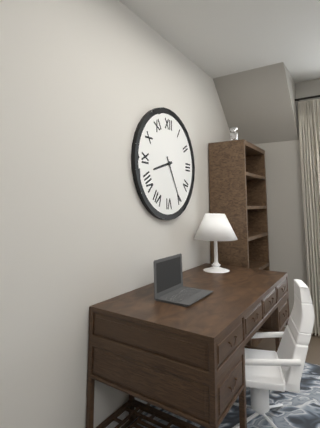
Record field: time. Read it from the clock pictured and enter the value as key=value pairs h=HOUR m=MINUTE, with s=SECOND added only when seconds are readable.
h=8 m=25
